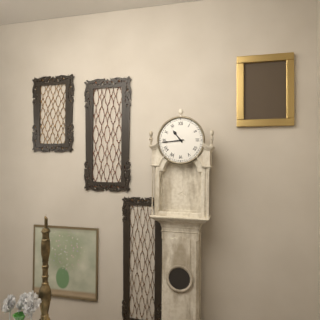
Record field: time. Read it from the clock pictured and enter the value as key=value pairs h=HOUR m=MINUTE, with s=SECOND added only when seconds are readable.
h=10 m=44
